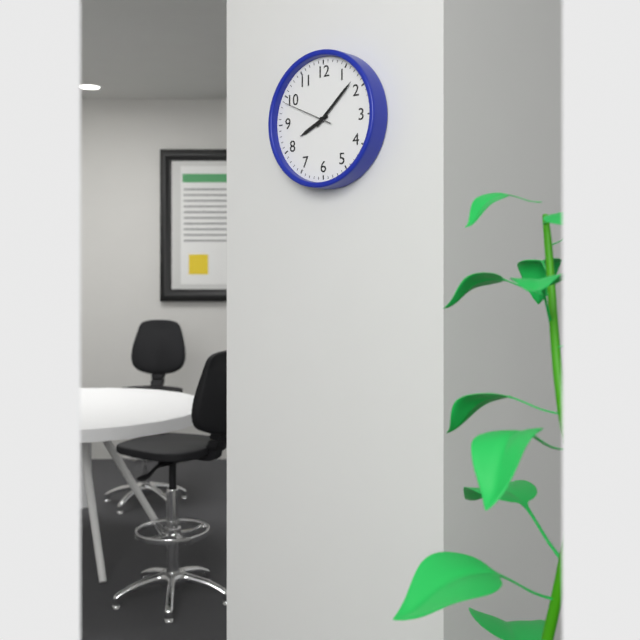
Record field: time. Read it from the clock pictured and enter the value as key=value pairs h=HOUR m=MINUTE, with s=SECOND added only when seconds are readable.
h=8 m=8 s=49
